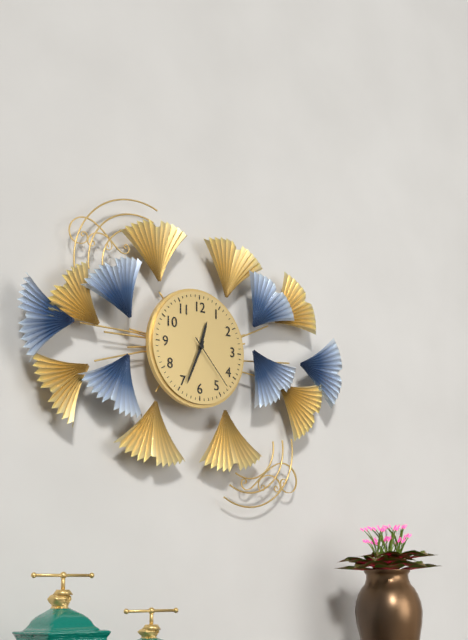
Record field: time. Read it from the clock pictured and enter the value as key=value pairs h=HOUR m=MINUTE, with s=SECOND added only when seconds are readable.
h=12 m=34 s=23
